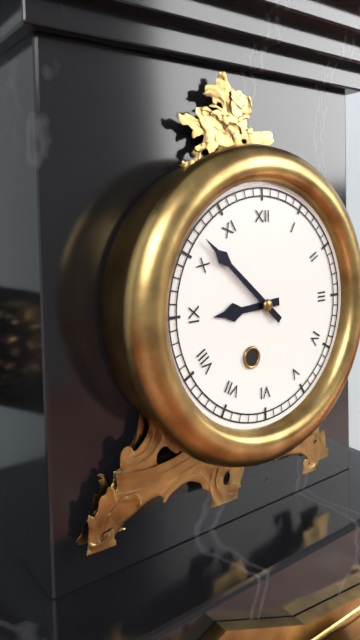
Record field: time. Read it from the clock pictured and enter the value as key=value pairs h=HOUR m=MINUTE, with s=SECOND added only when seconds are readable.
h=8 m=52
